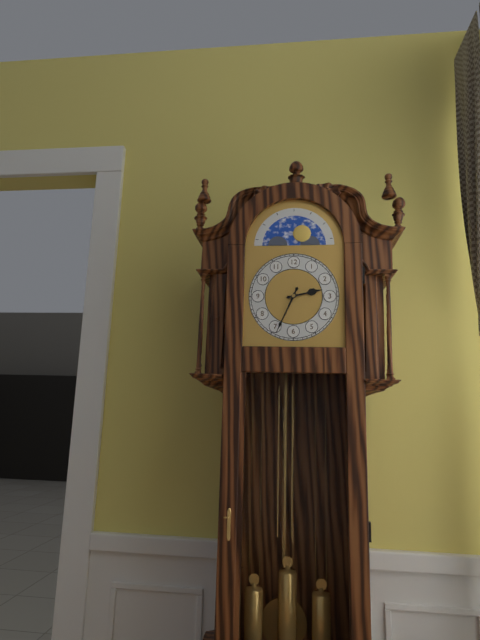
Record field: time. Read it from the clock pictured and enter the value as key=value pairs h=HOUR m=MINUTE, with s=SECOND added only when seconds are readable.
h=2 m=34
